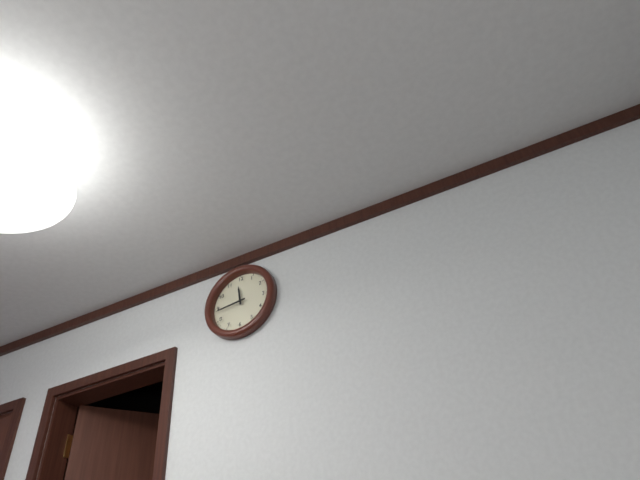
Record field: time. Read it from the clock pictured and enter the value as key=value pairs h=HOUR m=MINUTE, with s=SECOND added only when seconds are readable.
h=11 m=44
